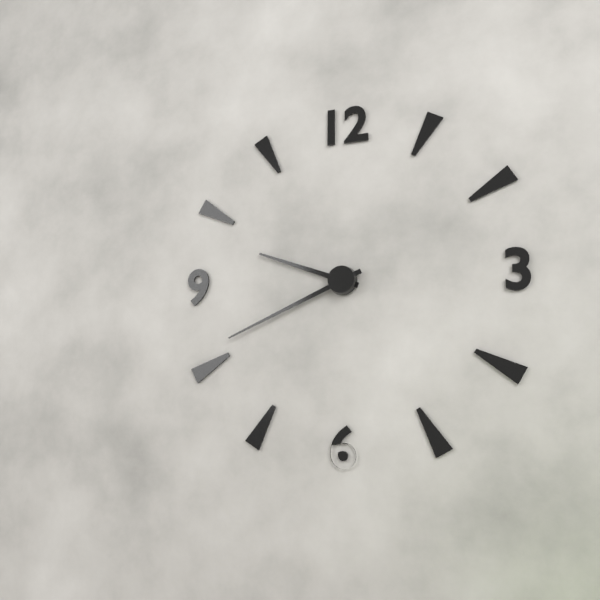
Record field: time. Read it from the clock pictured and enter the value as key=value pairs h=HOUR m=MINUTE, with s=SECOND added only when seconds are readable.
h=9 m=41
